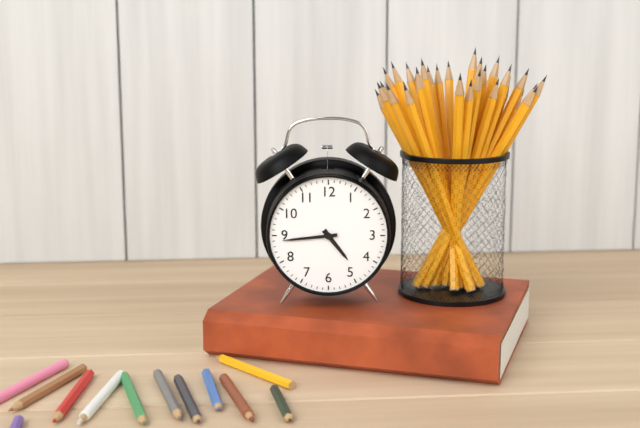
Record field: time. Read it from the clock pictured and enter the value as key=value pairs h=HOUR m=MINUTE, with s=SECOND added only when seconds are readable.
h=4 m=44
